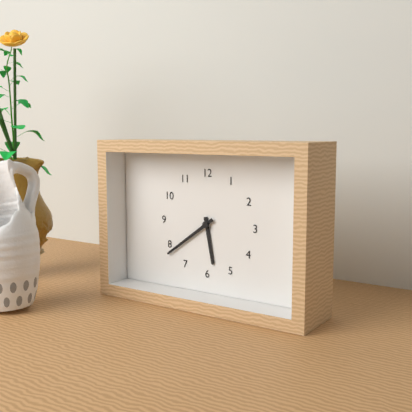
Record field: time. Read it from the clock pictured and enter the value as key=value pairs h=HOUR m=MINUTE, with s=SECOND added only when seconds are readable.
h=5 m=39
